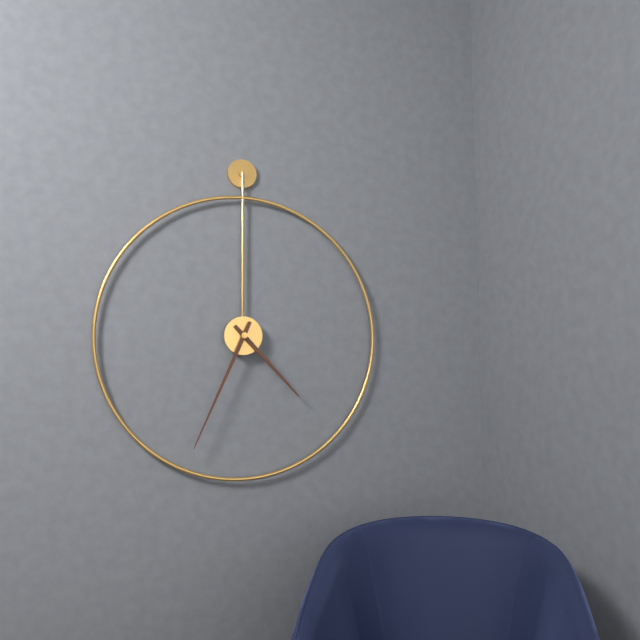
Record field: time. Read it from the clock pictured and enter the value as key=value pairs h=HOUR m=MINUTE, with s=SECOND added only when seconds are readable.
h=4 m=34
